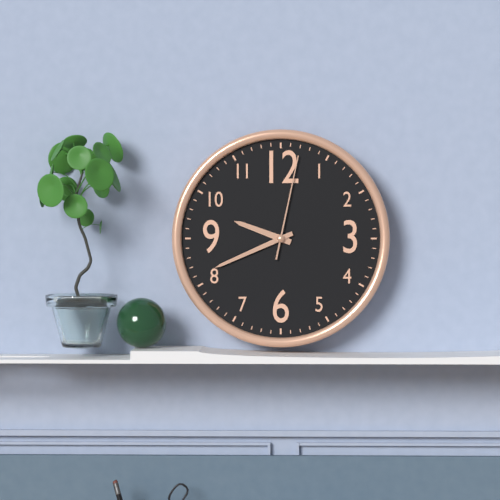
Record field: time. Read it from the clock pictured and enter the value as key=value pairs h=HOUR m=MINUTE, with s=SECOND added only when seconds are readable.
h=9 m=41 s=2
